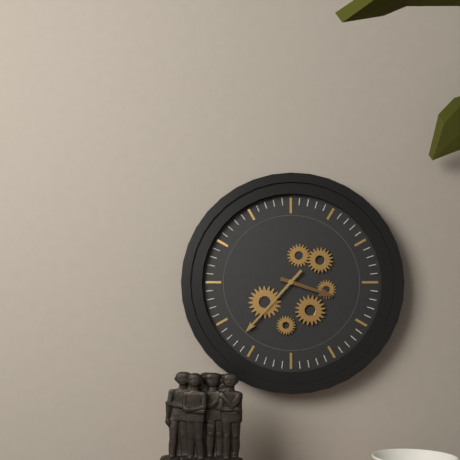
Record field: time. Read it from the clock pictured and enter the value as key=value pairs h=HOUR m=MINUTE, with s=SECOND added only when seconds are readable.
h=3 m=37
